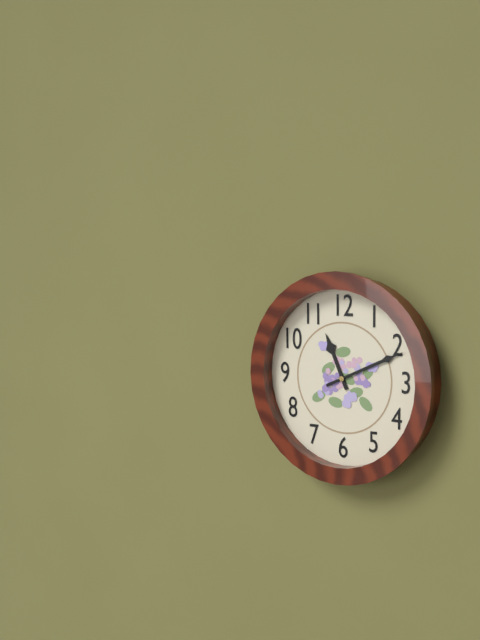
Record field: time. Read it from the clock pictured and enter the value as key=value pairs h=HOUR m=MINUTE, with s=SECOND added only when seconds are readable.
h=11 m=11
